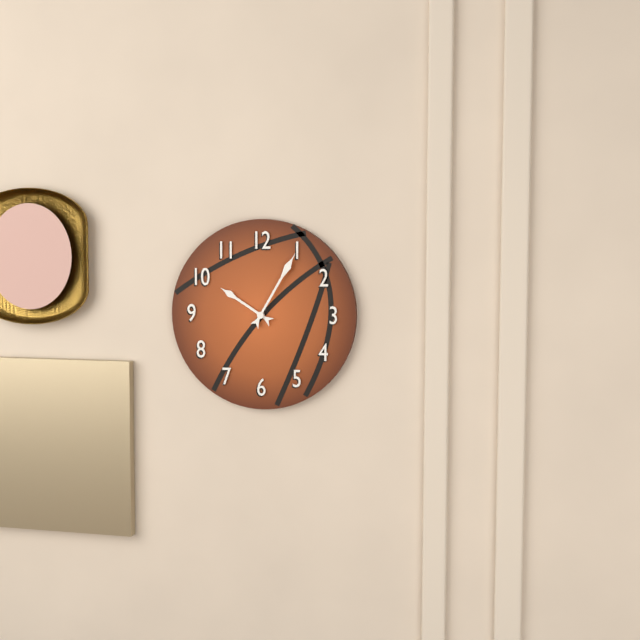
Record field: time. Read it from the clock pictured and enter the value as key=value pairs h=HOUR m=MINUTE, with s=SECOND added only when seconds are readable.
h=10 m=5
